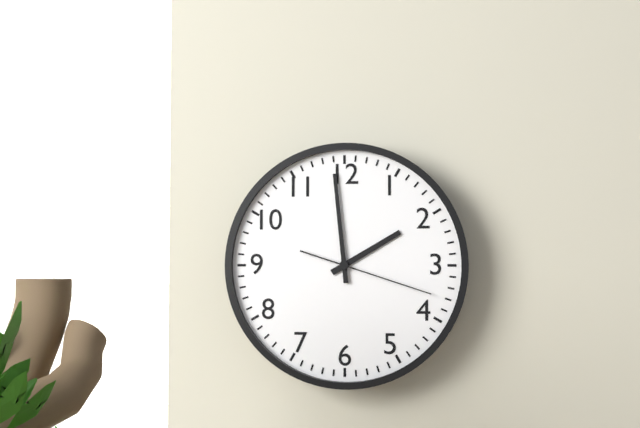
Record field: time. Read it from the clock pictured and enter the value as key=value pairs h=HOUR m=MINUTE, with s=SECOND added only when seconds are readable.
h=1 m=59 s=18
